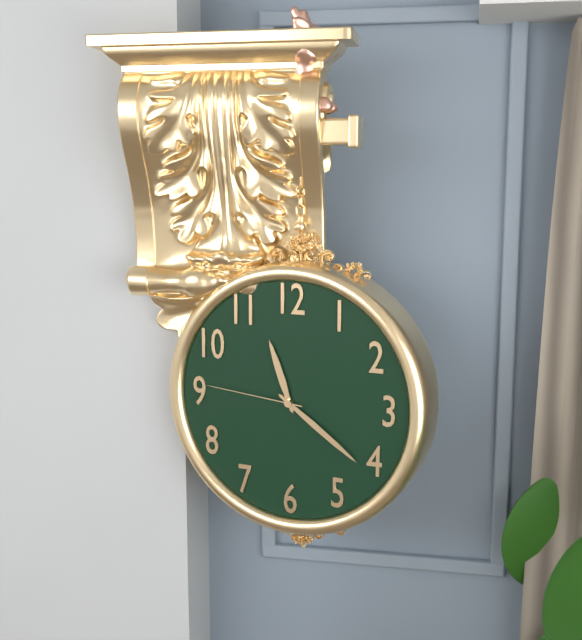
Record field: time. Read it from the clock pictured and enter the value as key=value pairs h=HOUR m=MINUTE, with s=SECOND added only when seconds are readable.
h=11 m=21 s=46
